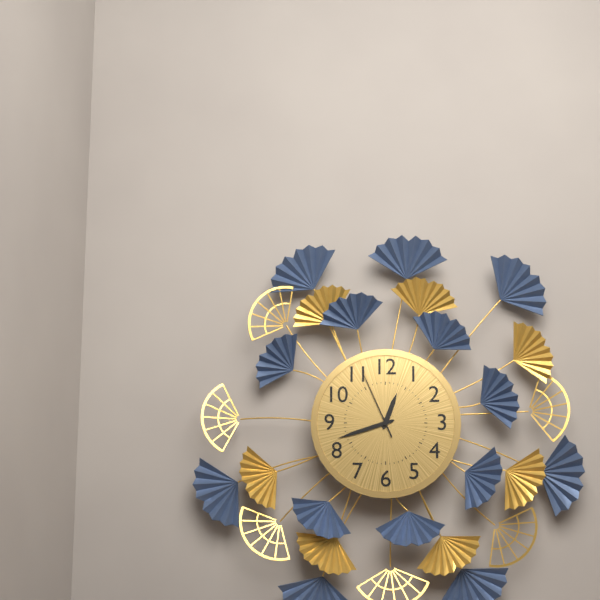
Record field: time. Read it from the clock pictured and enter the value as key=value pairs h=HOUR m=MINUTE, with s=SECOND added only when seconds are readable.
h=12 m=42 s=56
